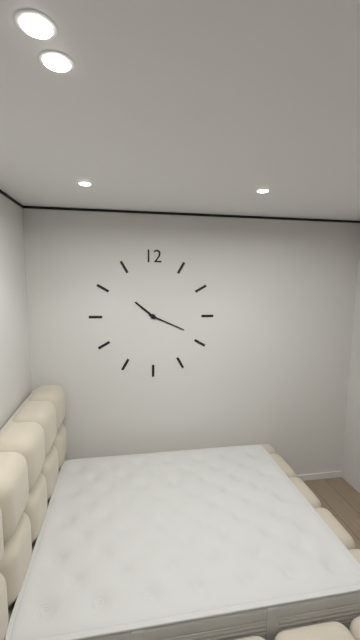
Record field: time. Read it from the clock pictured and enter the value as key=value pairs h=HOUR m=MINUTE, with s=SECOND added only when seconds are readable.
h=10 m=19
